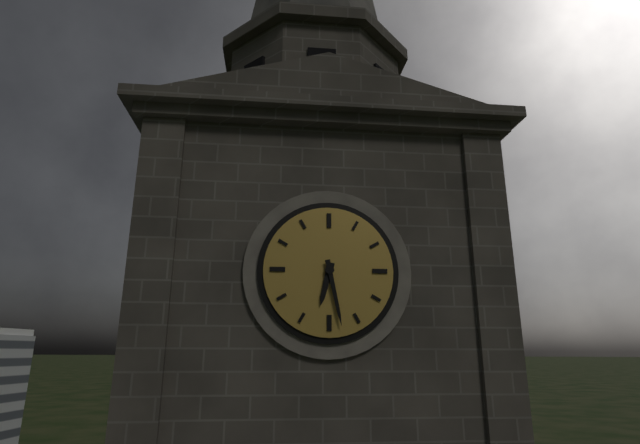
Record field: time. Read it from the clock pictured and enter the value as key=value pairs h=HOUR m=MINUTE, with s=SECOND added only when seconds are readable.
h=6 m=28
